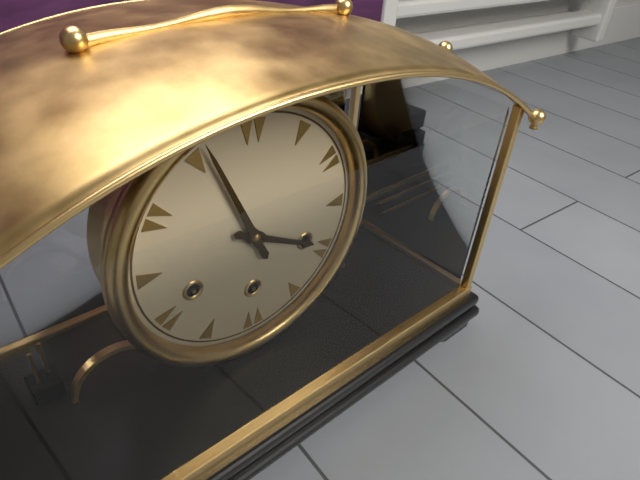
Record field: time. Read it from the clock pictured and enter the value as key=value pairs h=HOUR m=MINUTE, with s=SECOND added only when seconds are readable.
h=3 m=56
